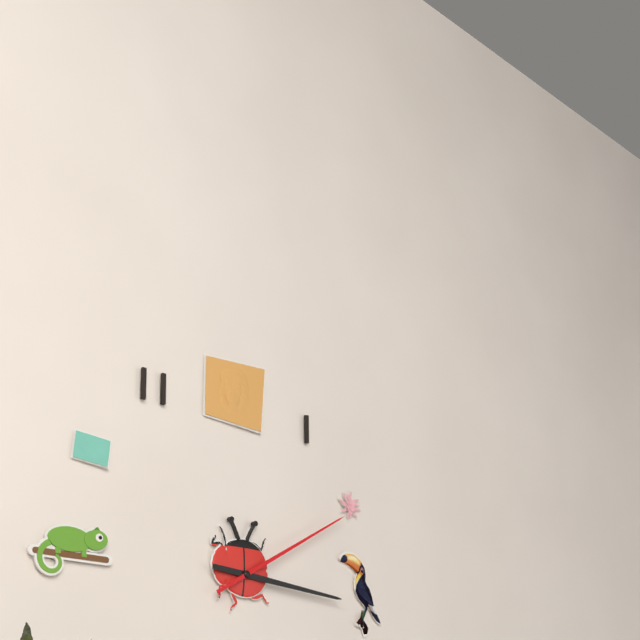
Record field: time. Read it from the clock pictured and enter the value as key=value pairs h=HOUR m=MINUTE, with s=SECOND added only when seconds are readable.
h=3 m=10
